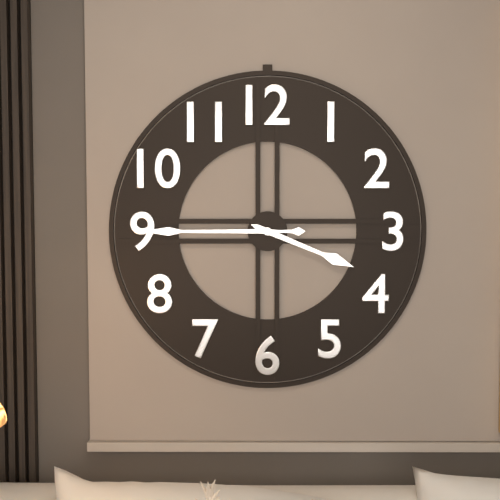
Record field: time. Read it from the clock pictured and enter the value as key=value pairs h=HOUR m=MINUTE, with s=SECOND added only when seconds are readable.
h=3 m=45
